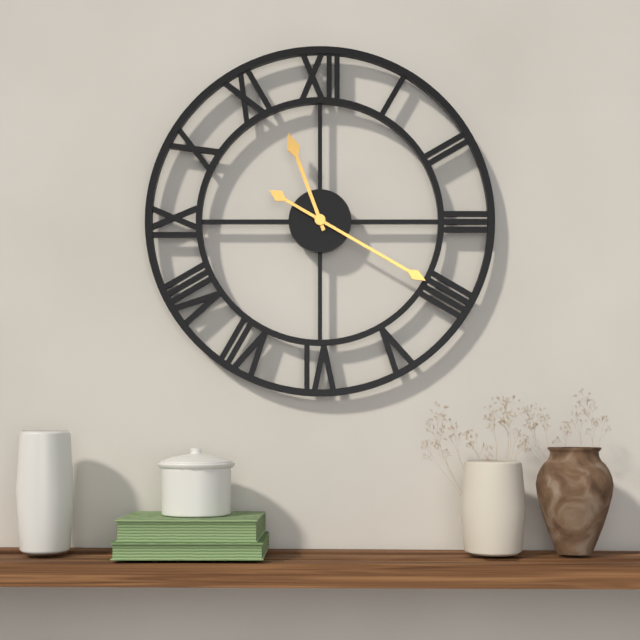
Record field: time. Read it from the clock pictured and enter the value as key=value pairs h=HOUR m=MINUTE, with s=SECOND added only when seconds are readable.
h=11 m=20
